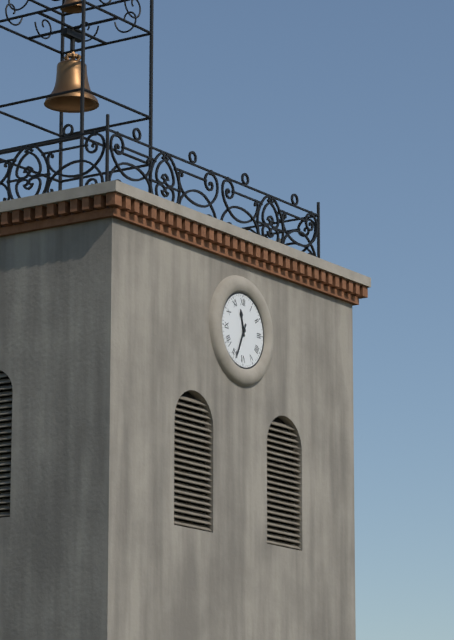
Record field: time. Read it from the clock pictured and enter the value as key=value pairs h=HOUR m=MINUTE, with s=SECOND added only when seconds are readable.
h=11 m=34
